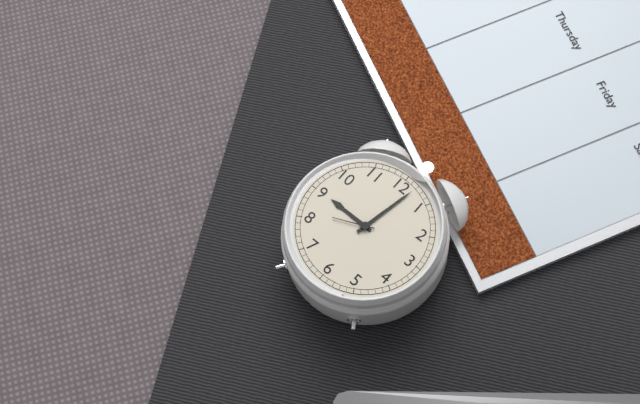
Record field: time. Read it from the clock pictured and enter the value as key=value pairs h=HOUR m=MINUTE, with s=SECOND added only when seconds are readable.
h=9 m=2
